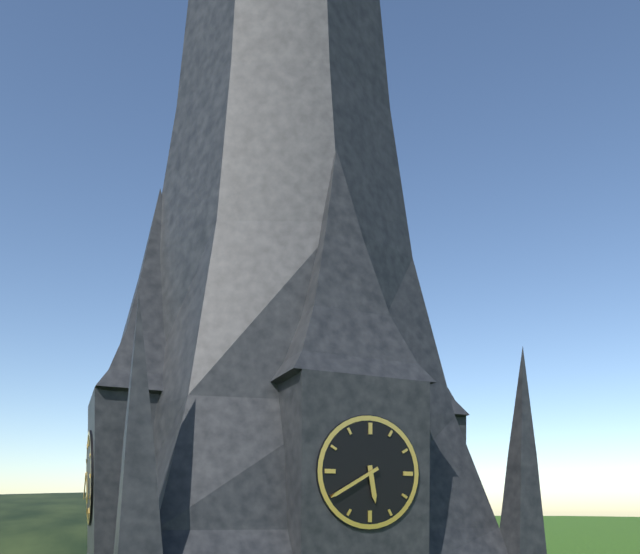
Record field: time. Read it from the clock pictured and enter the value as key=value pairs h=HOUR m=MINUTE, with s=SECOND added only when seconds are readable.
h=5 m=40
